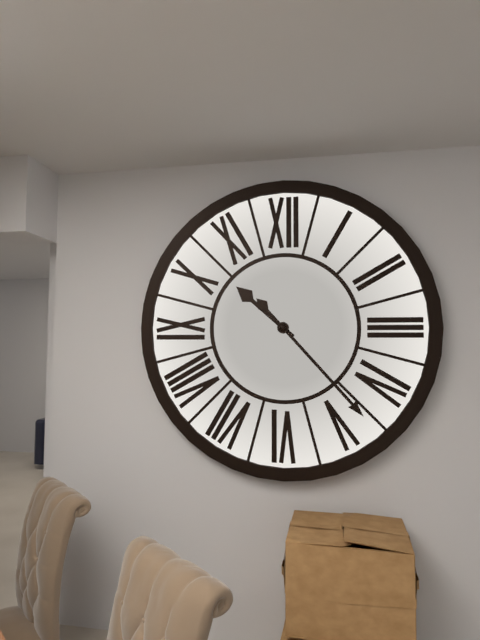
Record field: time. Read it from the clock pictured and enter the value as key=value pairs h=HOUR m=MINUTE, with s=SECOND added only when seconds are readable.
h=10 m=23
